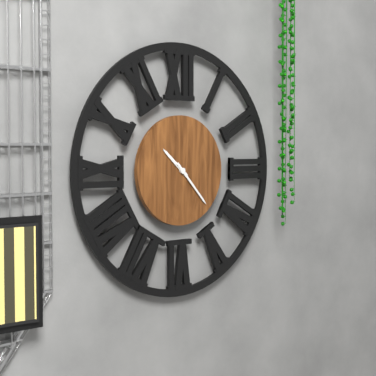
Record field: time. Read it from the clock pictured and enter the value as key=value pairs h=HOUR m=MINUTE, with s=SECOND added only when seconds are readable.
h=10 m=23
